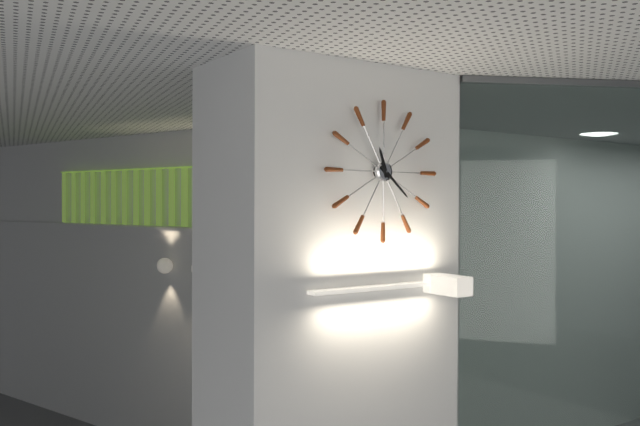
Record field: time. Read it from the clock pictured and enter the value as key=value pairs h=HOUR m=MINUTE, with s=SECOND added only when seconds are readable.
h=11 m=22
